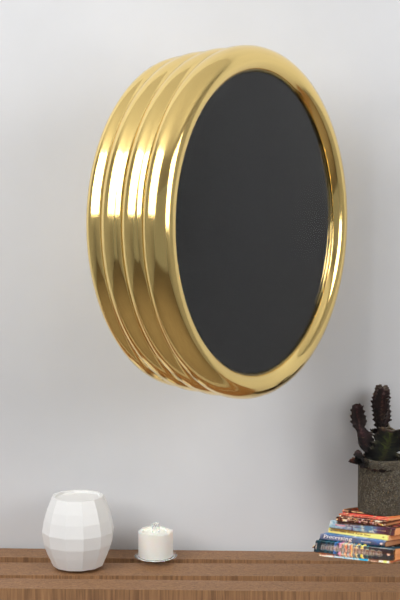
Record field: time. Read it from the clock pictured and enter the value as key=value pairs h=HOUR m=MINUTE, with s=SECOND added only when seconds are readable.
h=7 m=10 s=26
